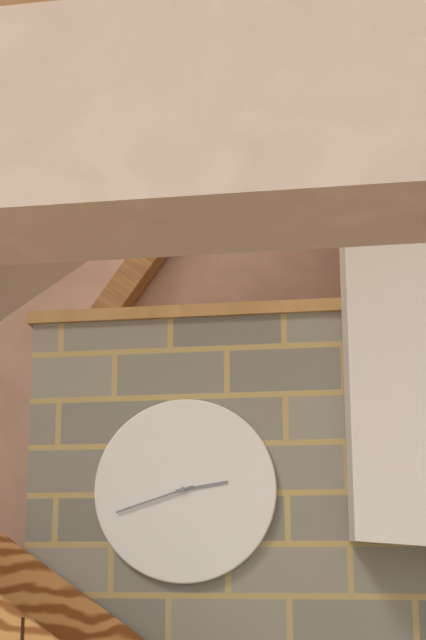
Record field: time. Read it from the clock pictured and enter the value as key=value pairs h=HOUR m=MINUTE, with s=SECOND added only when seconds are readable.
h=2 m=42
